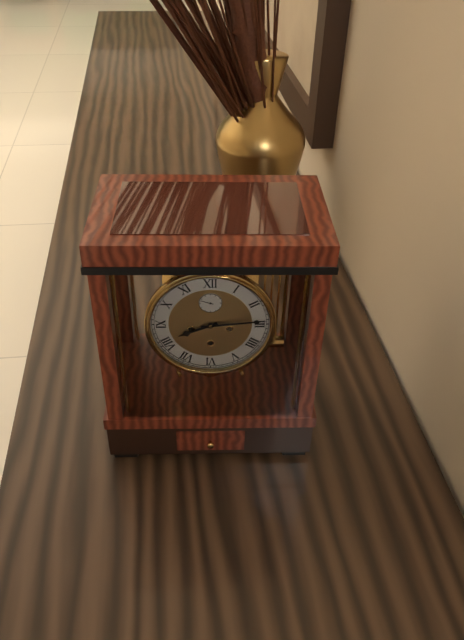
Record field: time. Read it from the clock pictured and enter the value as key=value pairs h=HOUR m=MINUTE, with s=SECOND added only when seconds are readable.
h=8 m=14
